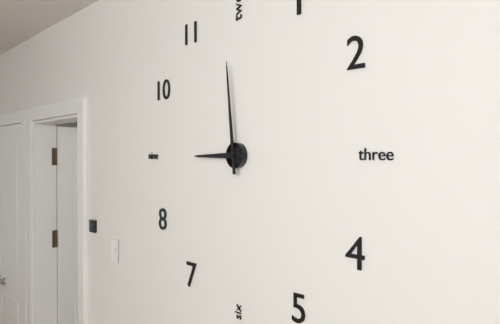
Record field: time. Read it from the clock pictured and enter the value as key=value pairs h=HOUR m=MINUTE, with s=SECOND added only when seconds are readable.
h=8 m=59
